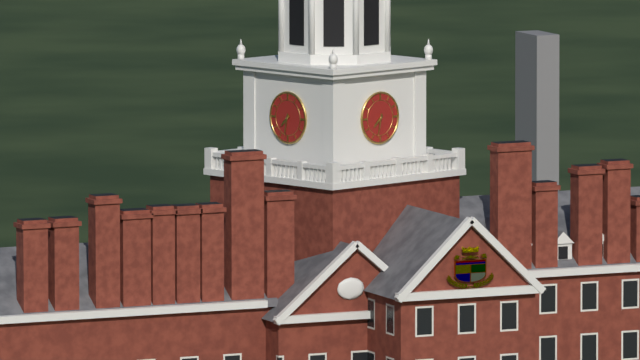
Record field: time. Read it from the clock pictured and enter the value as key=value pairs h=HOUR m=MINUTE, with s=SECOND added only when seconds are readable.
h=7 m=32
